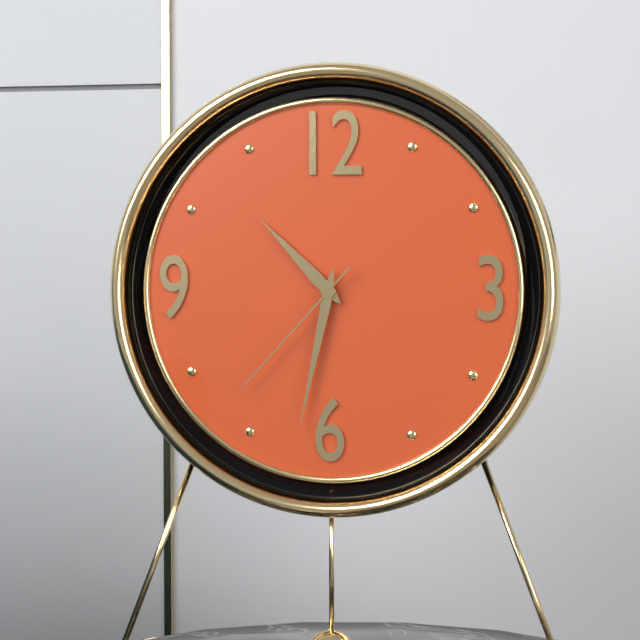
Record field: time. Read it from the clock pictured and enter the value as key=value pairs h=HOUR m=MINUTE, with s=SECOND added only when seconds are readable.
h=10 m=32 s=37
